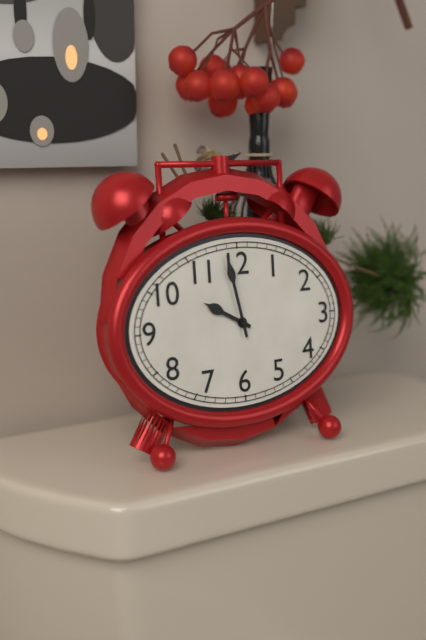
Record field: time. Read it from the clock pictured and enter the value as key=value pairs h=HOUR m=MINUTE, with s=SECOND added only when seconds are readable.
h=9 m=58
